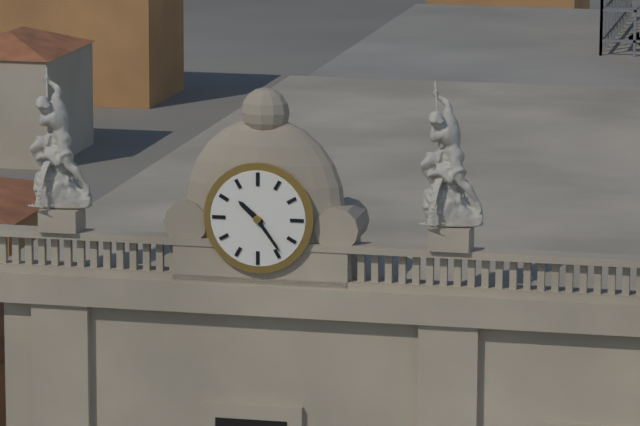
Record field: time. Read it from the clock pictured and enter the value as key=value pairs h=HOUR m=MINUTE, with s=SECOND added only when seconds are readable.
h=10 m=24
